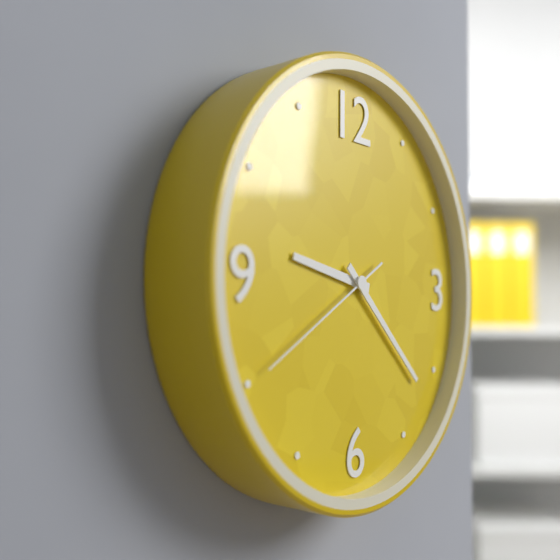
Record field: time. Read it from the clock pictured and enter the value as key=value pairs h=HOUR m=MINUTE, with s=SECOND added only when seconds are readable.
h=9 m=22 s=40
